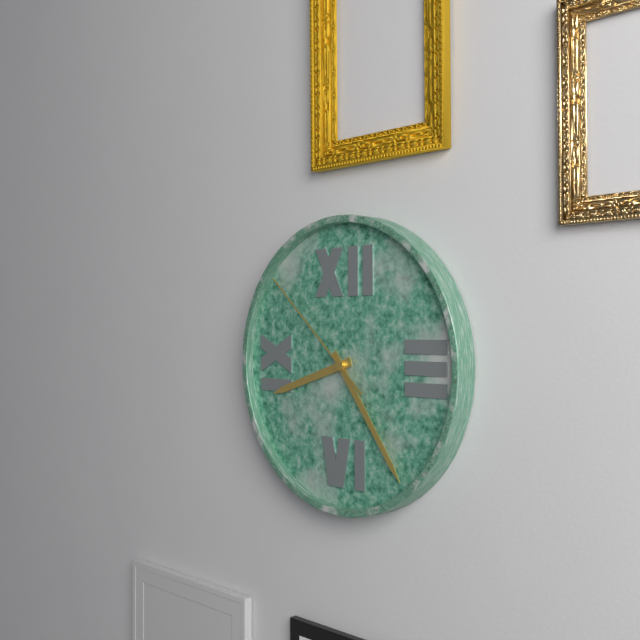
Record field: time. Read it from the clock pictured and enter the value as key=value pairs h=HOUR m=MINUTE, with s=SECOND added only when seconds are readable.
h=8 m=24 s=52
